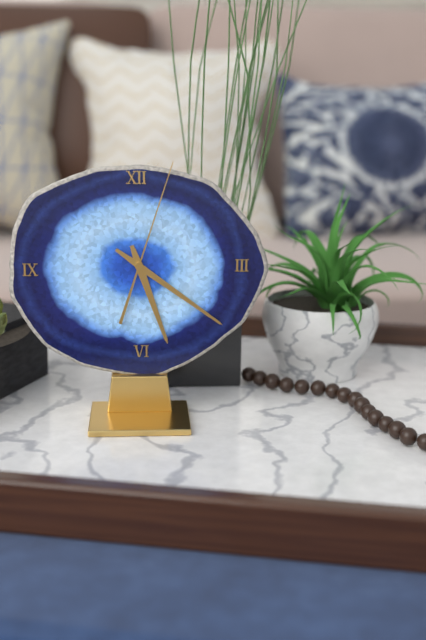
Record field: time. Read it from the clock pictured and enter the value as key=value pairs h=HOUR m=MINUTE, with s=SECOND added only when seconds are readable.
h=5 m=21 s=3
